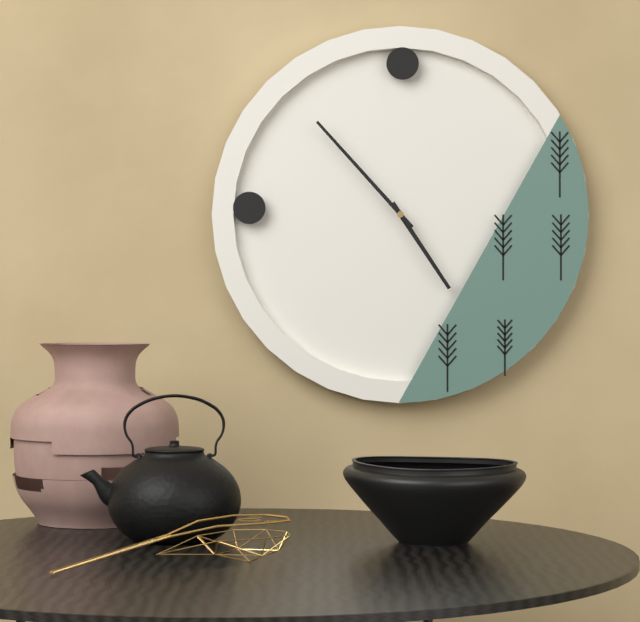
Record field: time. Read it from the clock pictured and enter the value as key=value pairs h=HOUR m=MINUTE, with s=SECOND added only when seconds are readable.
h=4 m=53
